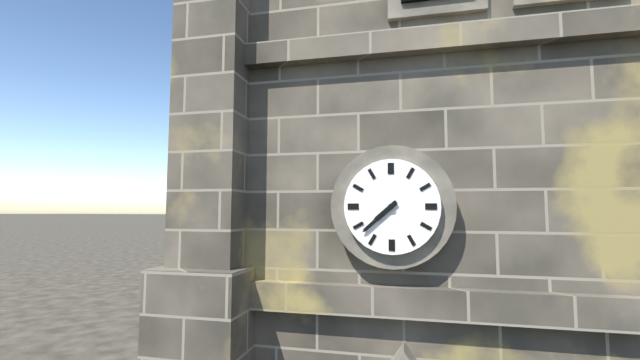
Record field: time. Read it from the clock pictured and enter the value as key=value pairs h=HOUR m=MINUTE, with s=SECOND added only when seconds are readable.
h=7 m=38
